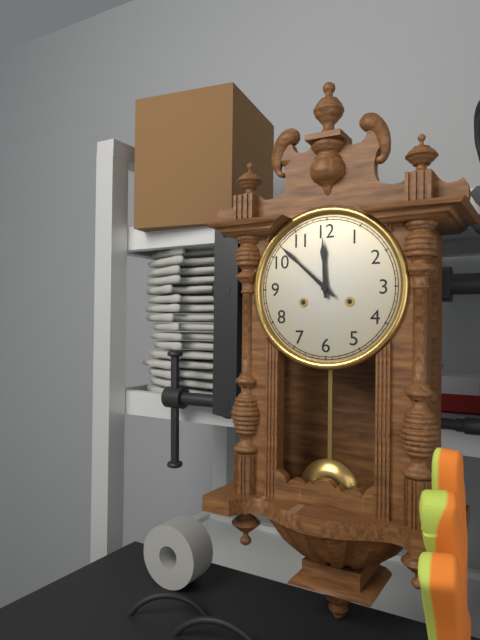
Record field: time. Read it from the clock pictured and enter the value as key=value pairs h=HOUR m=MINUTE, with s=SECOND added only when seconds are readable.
h=11 m=52
